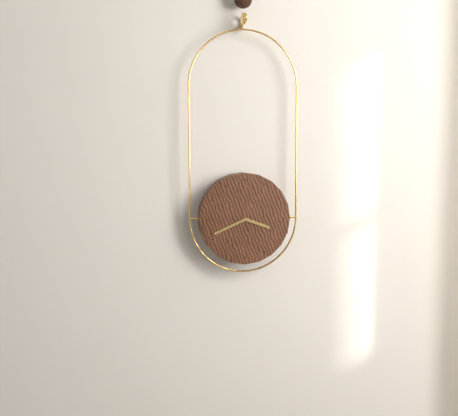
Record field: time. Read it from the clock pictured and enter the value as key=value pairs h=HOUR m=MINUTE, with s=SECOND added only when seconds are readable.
h=3 m=41
